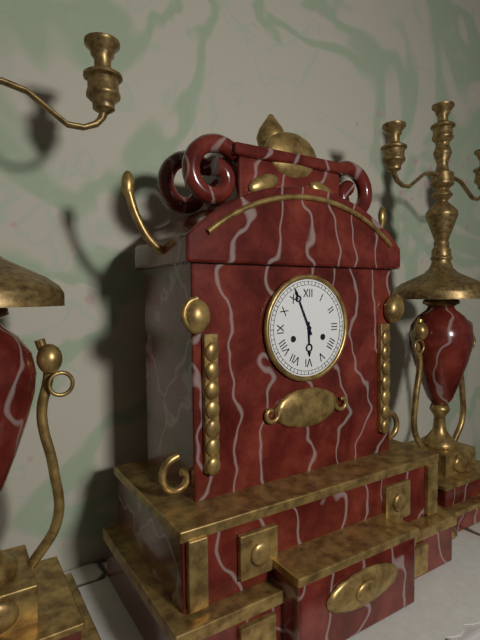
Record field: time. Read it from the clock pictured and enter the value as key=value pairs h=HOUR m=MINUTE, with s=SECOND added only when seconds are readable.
h=5 m=56
